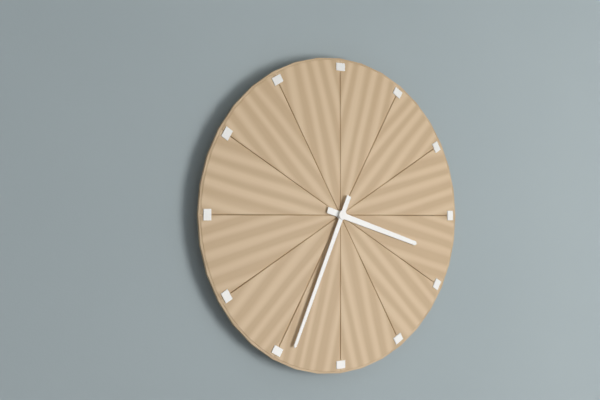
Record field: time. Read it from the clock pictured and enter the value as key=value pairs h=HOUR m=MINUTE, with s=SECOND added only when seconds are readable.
h=3 m=34
